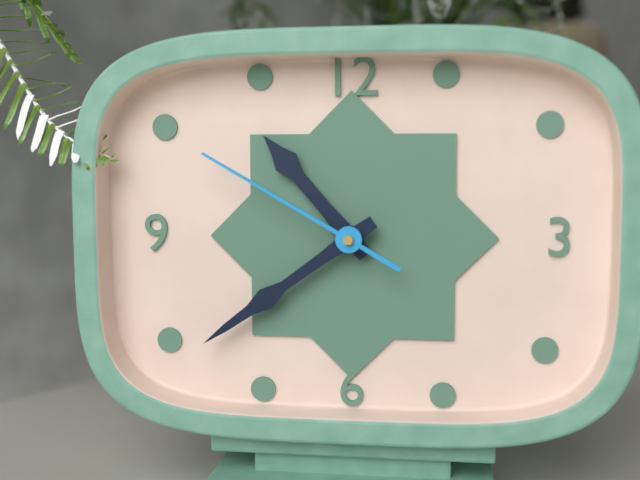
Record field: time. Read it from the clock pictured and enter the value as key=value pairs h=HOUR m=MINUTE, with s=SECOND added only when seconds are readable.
h=10 m=39 s=50
